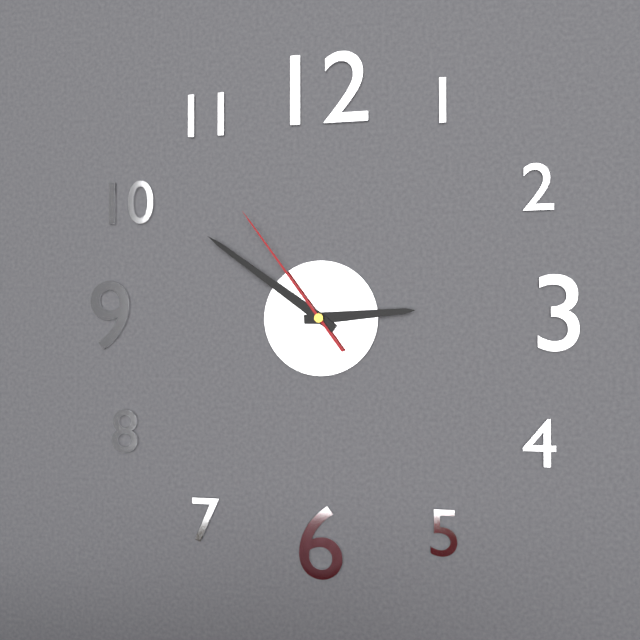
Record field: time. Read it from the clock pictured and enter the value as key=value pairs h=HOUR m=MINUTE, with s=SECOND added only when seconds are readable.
h=2 m=51 s=54
